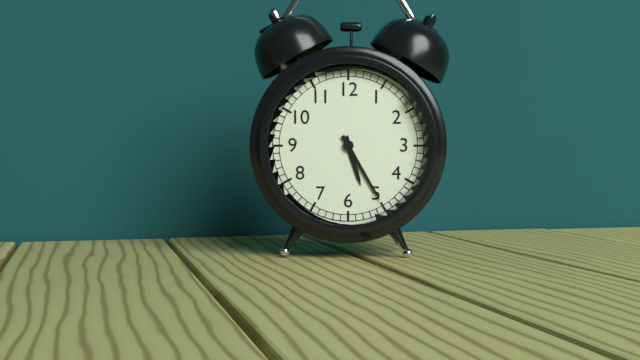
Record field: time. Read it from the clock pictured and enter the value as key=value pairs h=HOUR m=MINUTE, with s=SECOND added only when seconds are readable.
h=5 m=25
